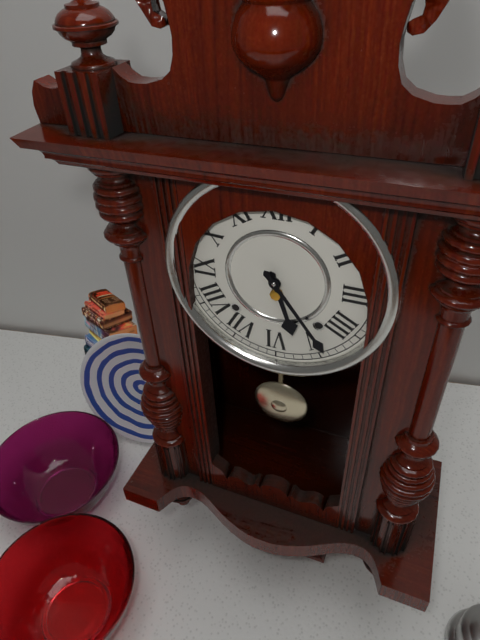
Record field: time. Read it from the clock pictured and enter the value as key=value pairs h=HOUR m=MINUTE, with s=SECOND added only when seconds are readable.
h=5 m=24
